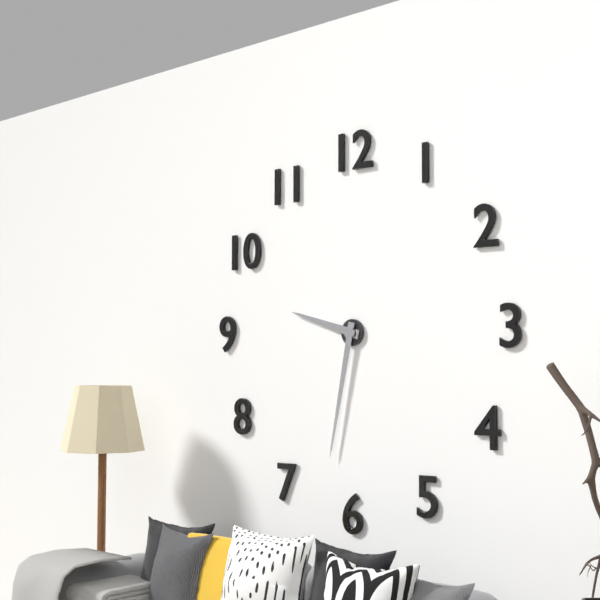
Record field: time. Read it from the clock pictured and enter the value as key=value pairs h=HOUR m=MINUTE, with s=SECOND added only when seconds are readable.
h=9 m=32
